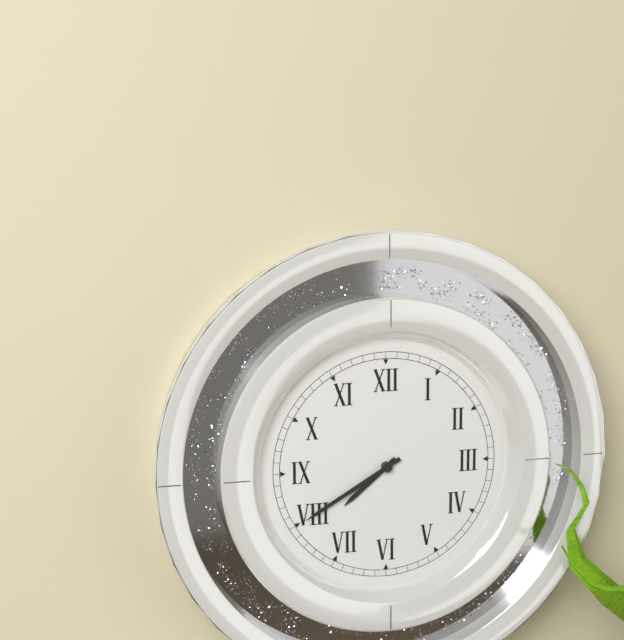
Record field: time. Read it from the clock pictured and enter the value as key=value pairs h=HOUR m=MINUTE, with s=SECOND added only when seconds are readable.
h=7 m=40
